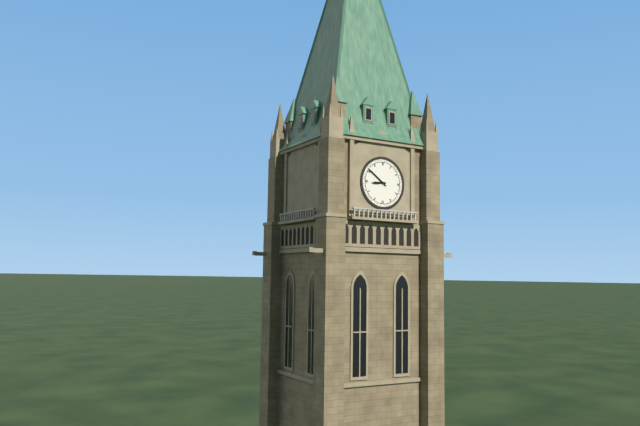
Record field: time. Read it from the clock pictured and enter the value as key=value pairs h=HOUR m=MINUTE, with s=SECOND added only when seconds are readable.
h=8 m=51
